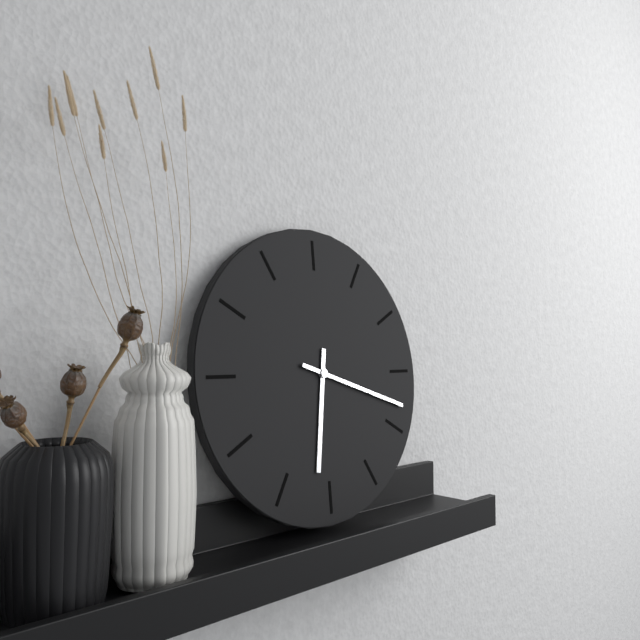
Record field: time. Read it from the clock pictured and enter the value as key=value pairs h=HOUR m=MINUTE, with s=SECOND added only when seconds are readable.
h=6 m=18
